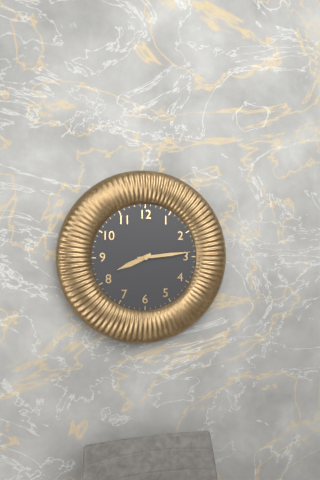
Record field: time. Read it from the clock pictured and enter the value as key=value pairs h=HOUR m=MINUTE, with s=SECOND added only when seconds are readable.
h=8 m=14
